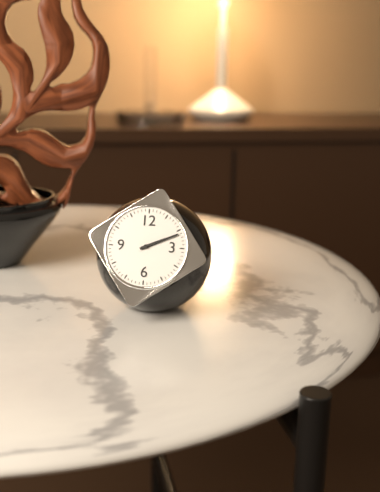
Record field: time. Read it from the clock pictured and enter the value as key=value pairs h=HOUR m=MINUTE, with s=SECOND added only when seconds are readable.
h=2 m=11
